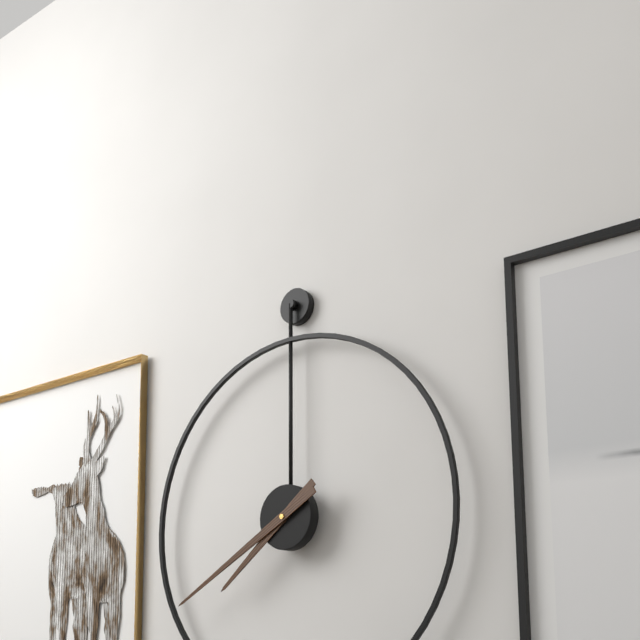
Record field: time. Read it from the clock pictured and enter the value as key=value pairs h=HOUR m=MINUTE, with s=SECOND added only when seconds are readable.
h=7 m=40
